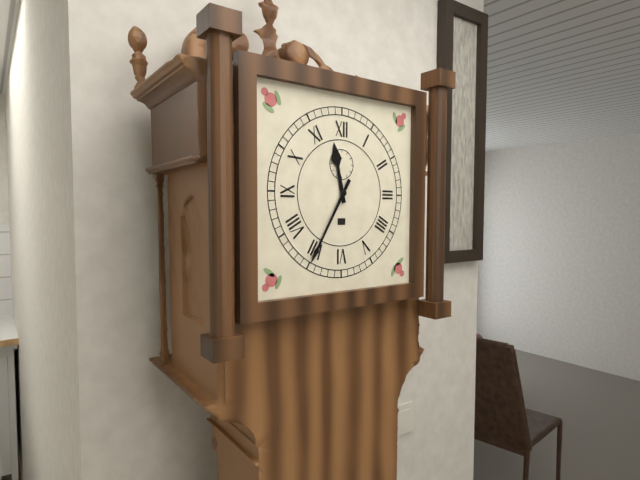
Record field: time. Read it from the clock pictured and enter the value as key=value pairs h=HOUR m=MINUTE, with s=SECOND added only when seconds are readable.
h=11 m=35
